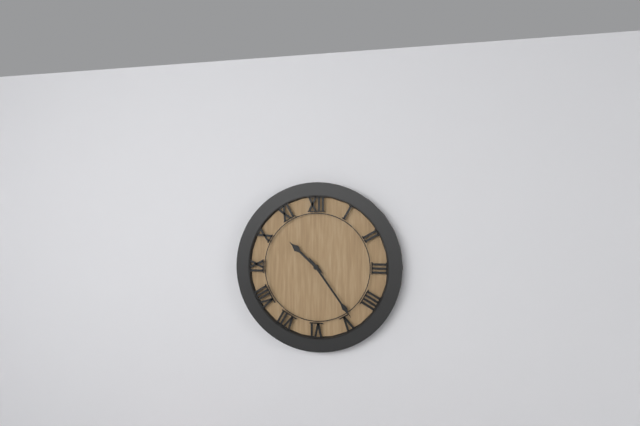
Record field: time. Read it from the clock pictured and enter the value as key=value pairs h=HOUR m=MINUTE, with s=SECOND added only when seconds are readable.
h=10 m=24
